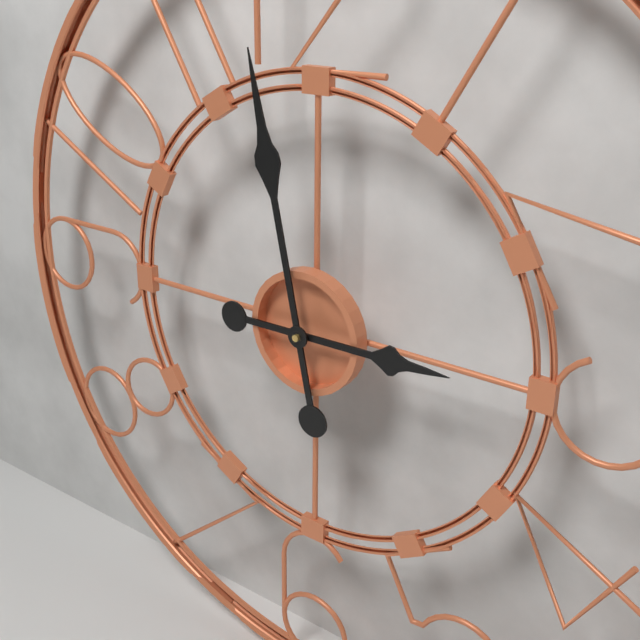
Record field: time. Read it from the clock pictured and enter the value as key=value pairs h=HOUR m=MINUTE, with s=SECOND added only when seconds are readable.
h=2 m=58
